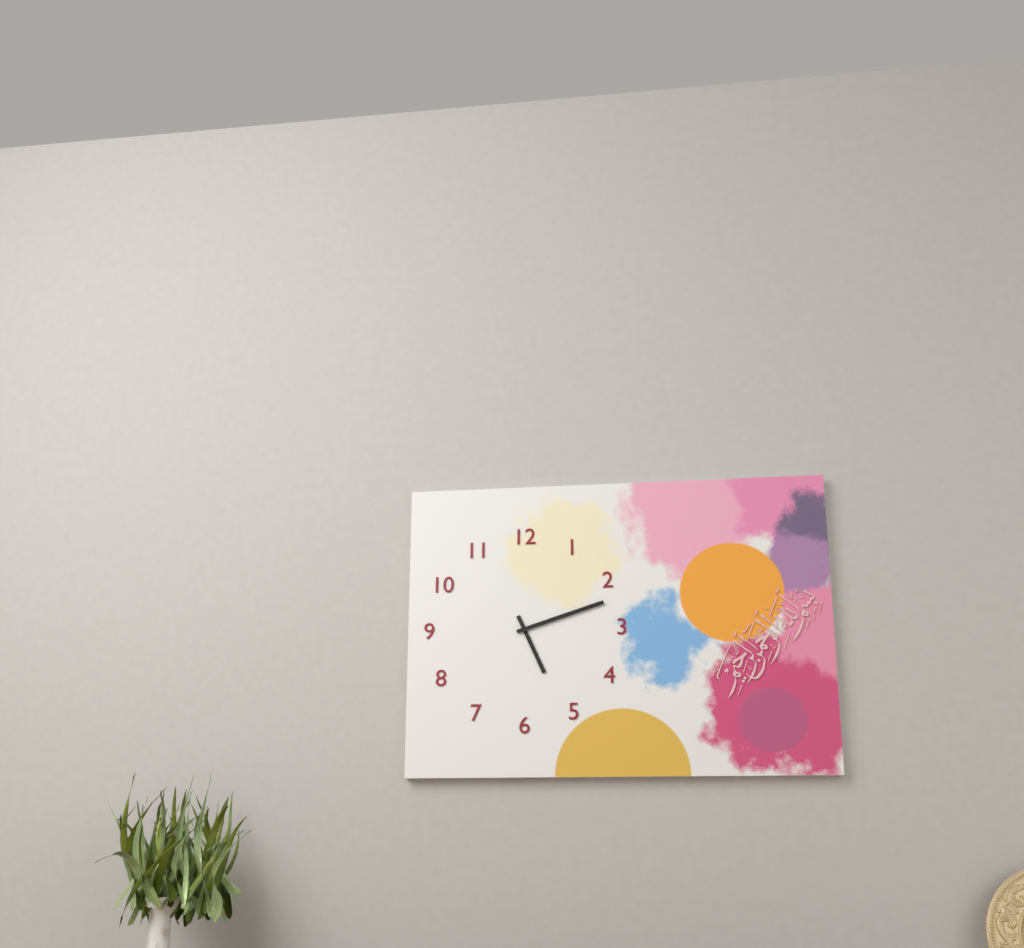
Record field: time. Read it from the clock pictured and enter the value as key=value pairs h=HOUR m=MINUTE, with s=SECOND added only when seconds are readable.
h=5 m=12
